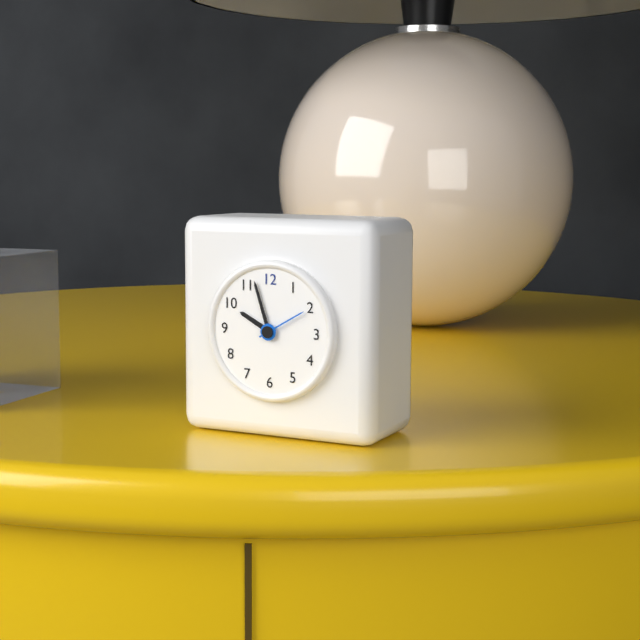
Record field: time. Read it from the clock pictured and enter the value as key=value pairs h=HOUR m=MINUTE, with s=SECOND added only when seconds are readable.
h=9 m=57 s=10
